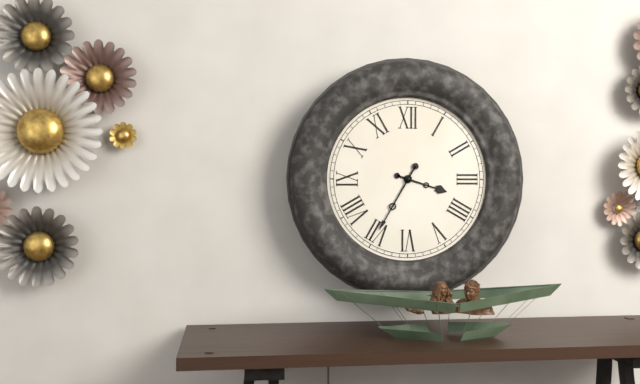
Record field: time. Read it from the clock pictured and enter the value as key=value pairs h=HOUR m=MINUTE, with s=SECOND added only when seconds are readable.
h=3 m=35
